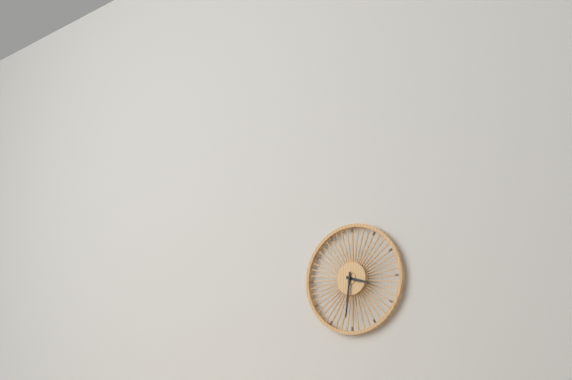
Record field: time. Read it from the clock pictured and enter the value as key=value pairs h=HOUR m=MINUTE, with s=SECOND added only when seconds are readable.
h=3 m=31
